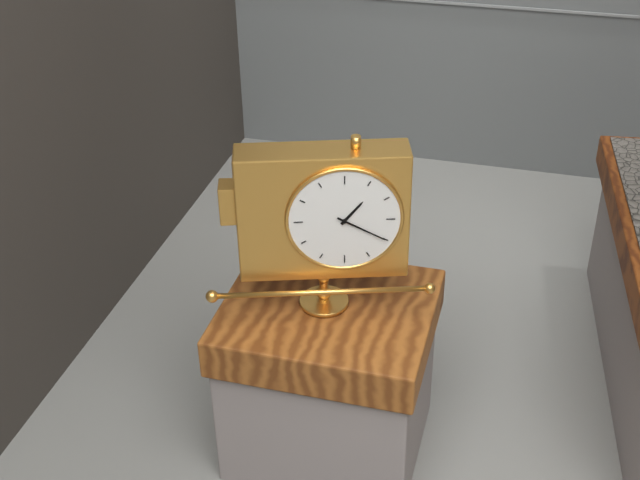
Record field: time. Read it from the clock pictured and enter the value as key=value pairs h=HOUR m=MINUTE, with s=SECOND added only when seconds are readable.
h=1 m=20
